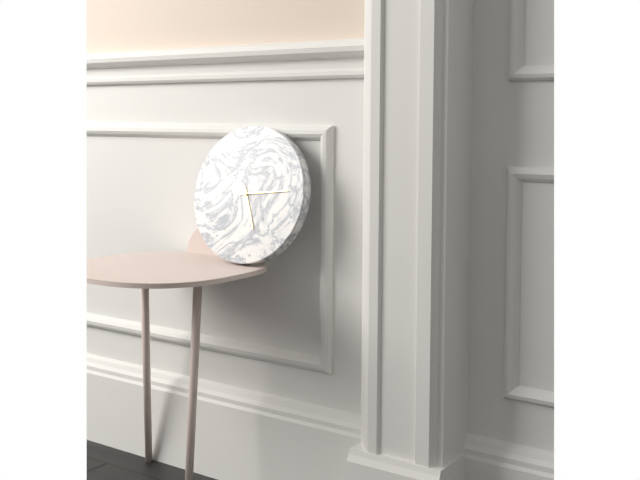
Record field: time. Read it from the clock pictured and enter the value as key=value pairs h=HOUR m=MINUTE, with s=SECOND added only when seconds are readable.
h=5 m=14
